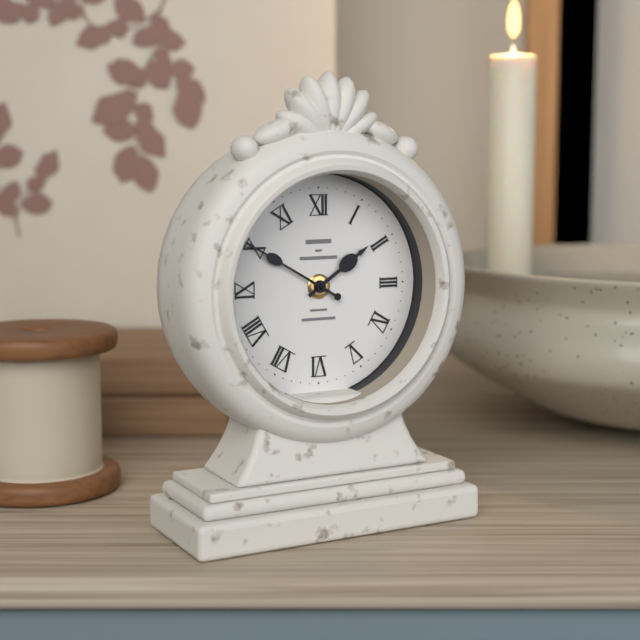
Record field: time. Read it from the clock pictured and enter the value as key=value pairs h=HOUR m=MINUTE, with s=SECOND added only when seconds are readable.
h=1 m=50
